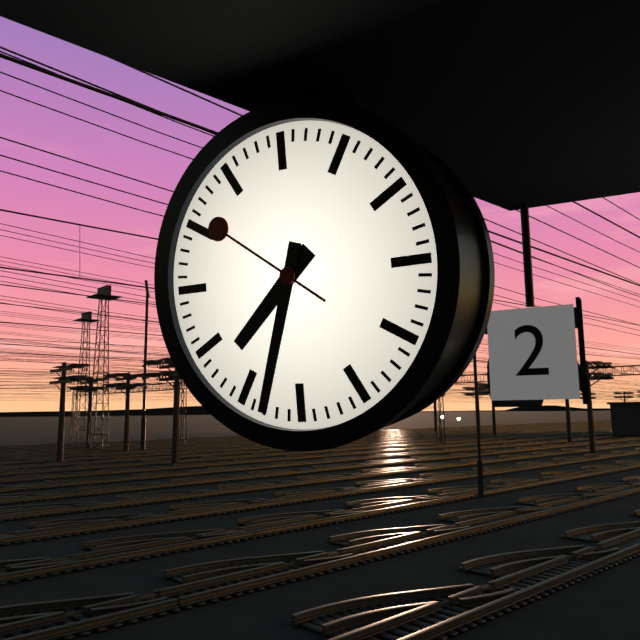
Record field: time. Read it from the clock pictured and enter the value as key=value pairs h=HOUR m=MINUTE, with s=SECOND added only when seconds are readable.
h=7 m=33 s=51
